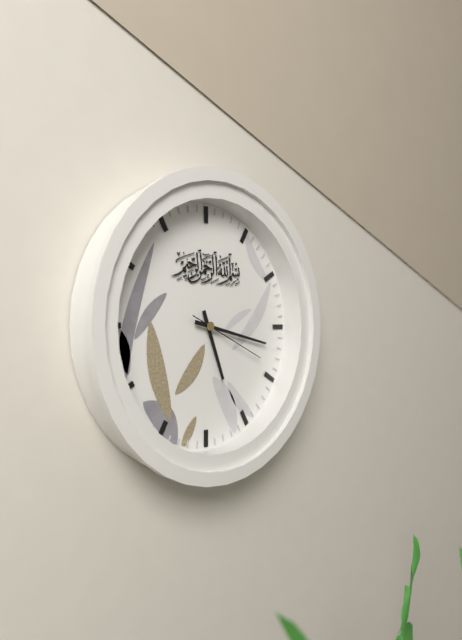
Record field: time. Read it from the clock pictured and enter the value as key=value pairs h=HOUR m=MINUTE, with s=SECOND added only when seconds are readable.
h=5 m=17 s=19
